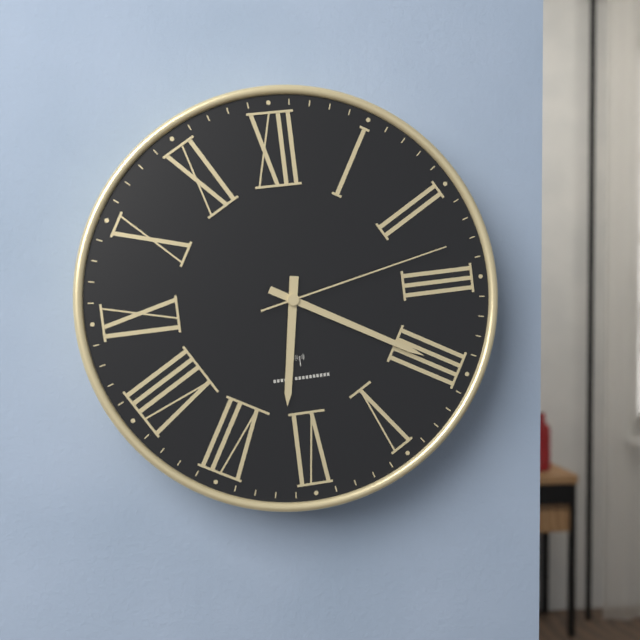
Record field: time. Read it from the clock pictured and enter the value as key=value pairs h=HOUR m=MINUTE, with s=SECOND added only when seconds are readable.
h=6 m=20 s=13
